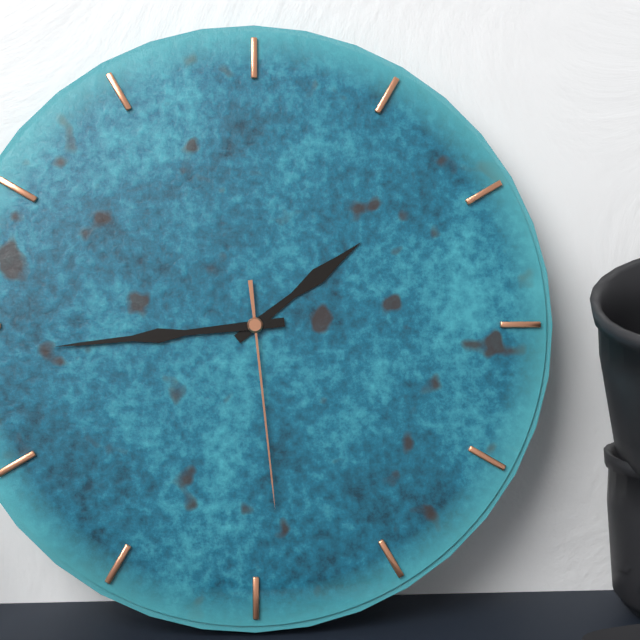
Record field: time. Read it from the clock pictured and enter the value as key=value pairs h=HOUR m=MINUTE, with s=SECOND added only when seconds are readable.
h=1 m=44 s=29
